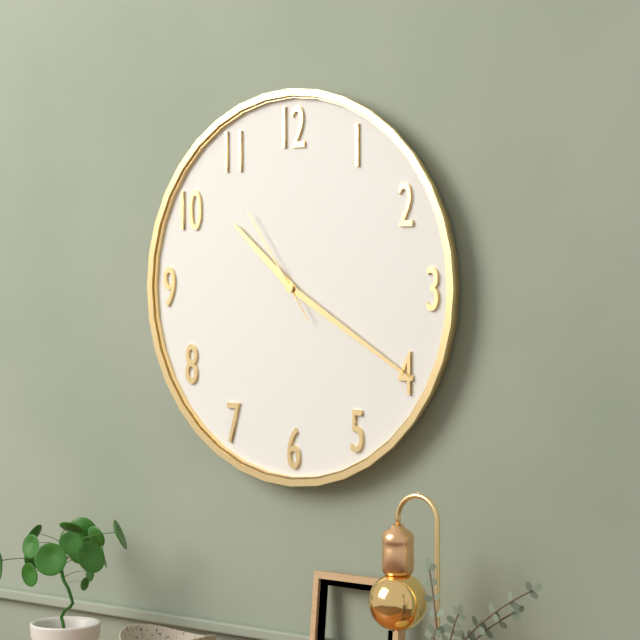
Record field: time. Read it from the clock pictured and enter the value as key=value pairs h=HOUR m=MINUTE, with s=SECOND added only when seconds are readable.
h=10 m=20 s=54
